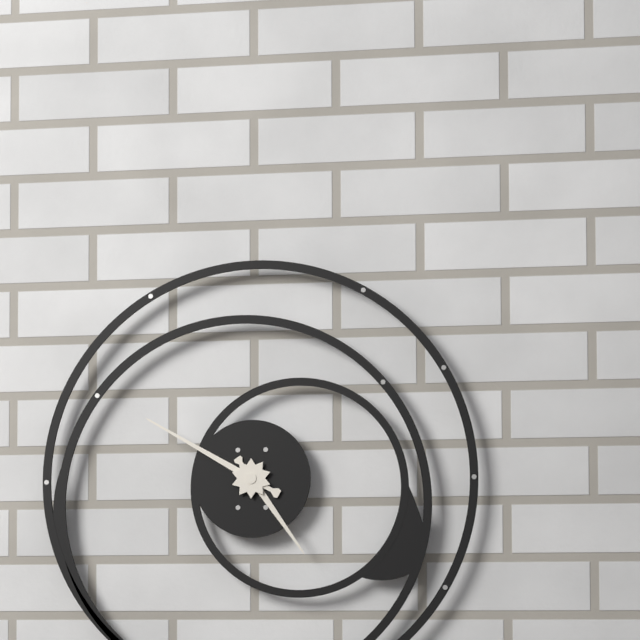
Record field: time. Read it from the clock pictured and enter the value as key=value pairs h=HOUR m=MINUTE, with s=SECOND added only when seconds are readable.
h=4 m=50
